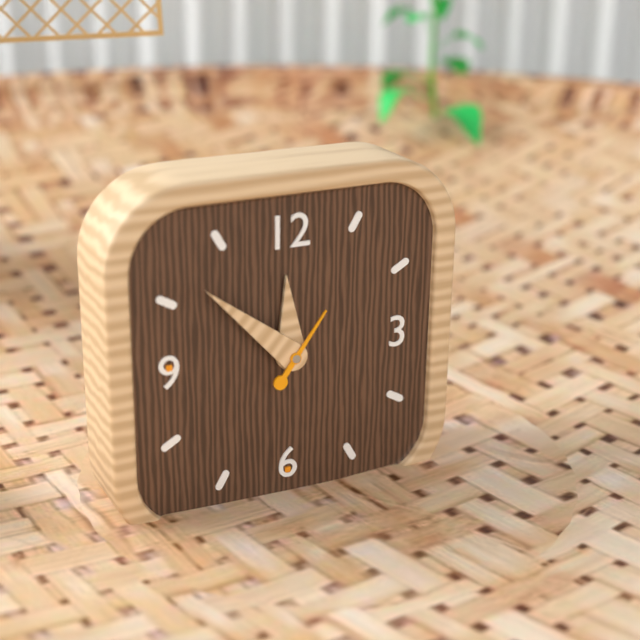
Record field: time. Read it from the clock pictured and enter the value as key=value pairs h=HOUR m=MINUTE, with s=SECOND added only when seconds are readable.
h=11 m=52 s=6
